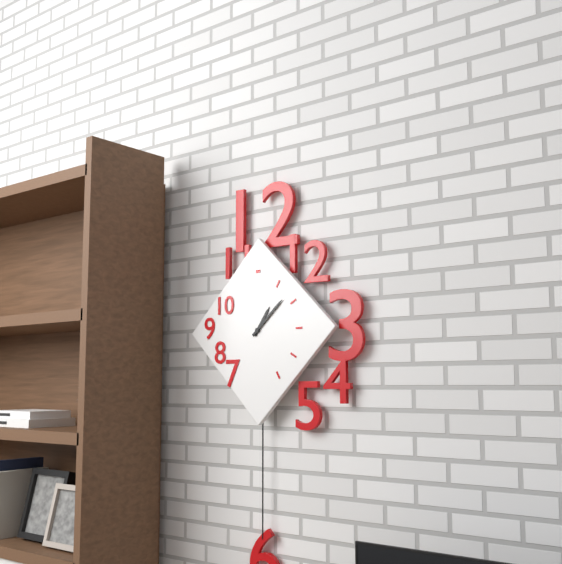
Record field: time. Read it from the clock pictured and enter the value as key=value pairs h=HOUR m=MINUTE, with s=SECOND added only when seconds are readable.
h=1 m=8
